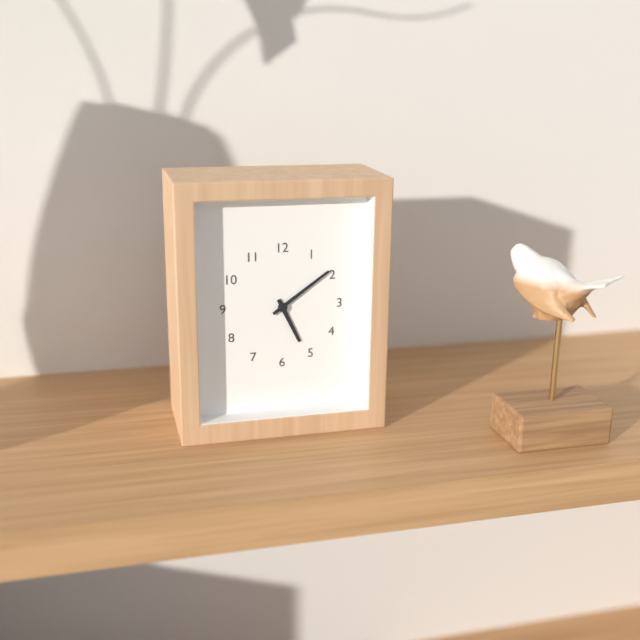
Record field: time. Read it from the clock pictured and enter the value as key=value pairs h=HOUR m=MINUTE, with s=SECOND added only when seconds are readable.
h=5 m=9
